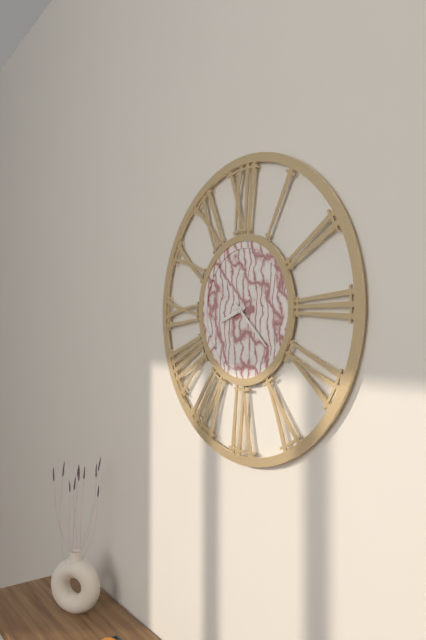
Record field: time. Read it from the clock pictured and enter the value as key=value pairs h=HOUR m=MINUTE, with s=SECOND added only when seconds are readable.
h=8 m=22
